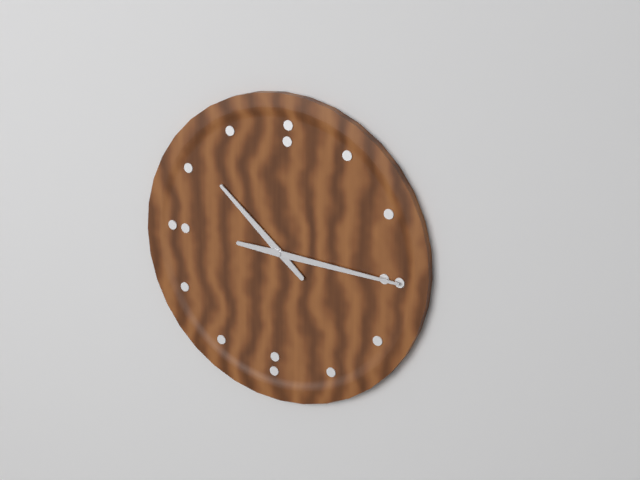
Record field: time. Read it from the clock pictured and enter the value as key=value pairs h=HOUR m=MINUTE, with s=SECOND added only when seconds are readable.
h=10 m=15
